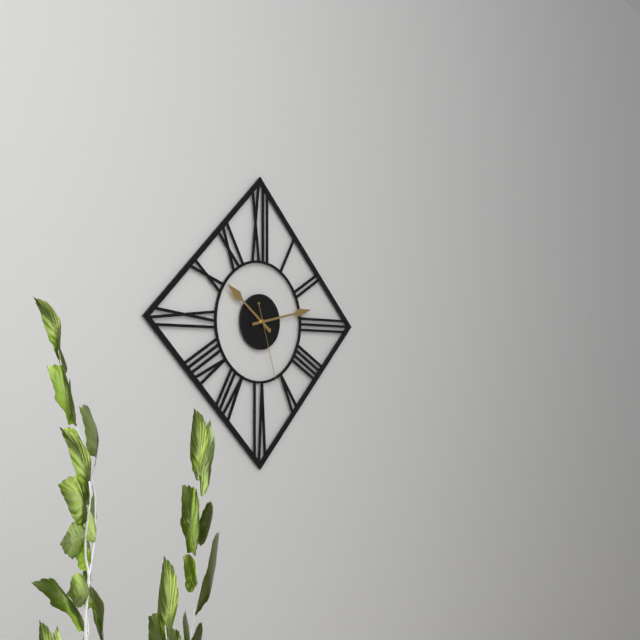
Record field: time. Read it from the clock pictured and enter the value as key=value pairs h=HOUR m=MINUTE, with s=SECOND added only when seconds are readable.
h=10 m=13 s=27
